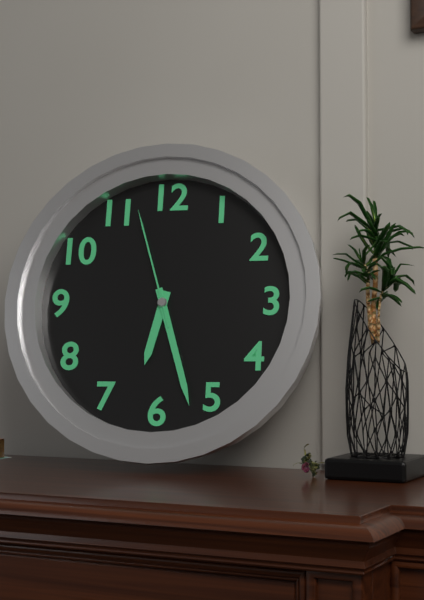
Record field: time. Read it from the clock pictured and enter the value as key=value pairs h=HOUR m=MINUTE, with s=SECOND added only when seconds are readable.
h=6 m=27 s=57
